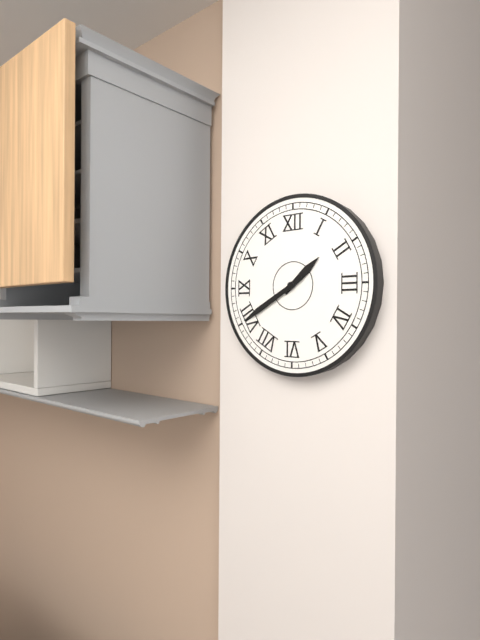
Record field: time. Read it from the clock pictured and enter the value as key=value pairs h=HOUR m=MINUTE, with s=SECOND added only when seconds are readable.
h=1 m=40
